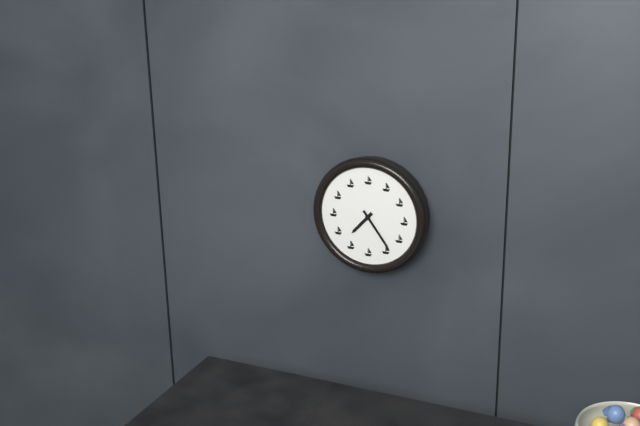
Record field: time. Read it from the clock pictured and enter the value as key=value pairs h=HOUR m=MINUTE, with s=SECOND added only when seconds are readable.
h=7 m=24
